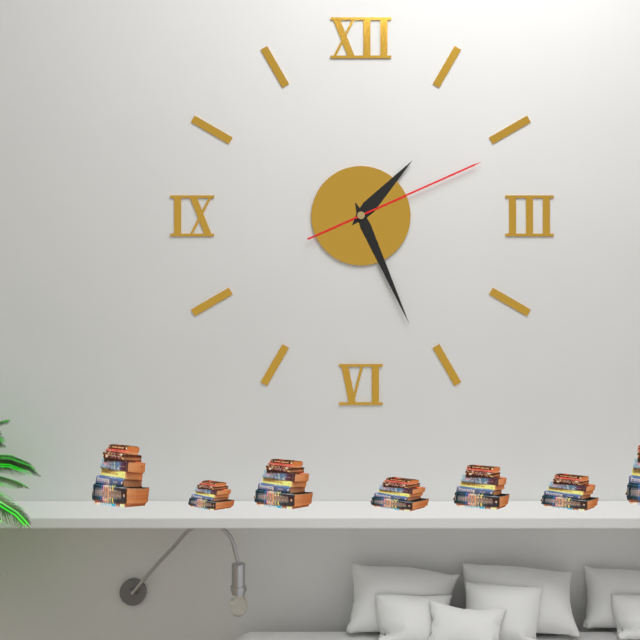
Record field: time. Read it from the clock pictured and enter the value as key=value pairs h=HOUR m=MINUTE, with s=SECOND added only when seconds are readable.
h=1 m=26 s=11
